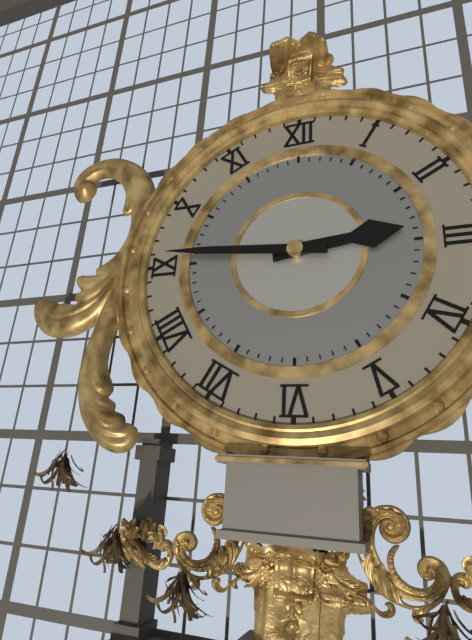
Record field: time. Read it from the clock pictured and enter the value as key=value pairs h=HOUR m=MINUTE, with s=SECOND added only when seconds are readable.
h=2 m=46
